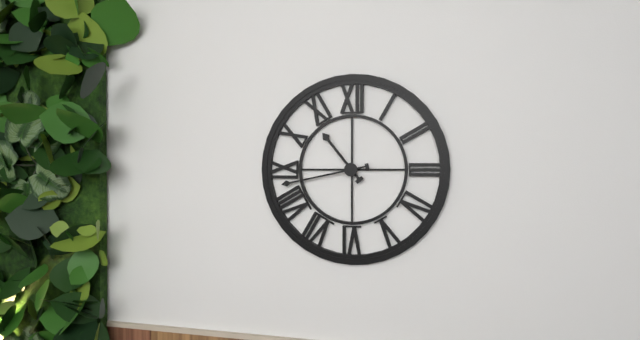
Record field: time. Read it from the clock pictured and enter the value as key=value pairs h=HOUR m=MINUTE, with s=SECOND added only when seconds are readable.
h=10 m=43
